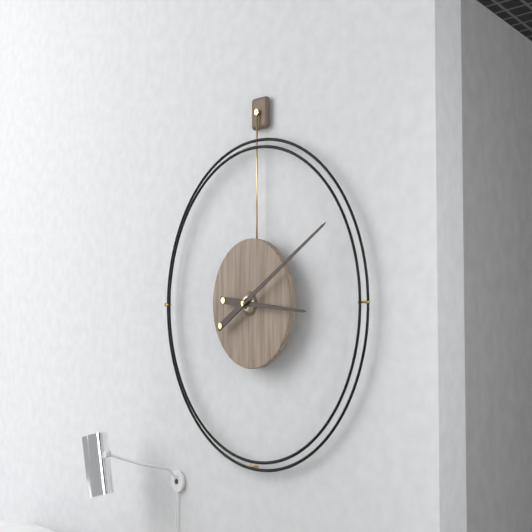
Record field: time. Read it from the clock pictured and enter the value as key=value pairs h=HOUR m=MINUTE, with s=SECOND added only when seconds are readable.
h=3 m=10
